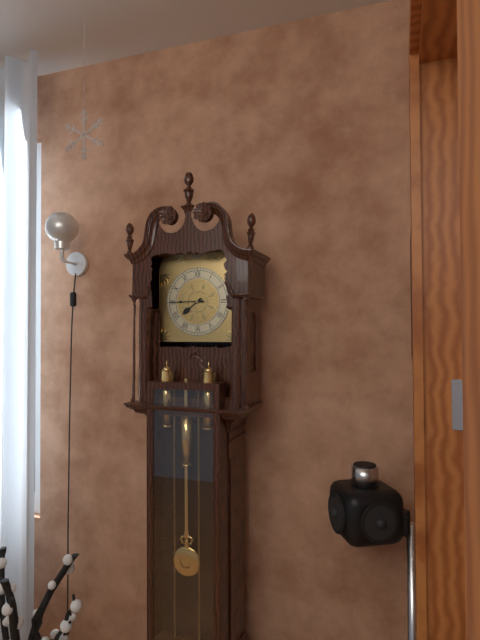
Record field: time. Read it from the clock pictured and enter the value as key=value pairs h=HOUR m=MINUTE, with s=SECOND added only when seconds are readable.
h=7 m=45
